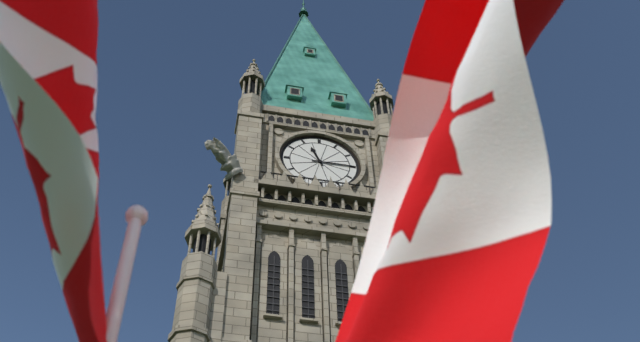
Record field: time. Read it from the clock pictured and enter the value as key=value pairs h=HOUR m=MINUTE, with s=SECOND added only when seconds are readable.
h=11 m=15
